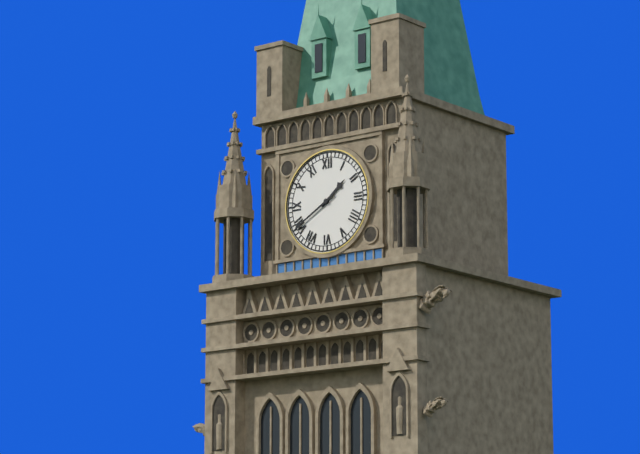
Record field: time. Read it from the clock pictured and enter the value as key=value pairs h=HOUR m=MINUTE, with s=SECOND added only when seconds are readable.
h=1 m=40
